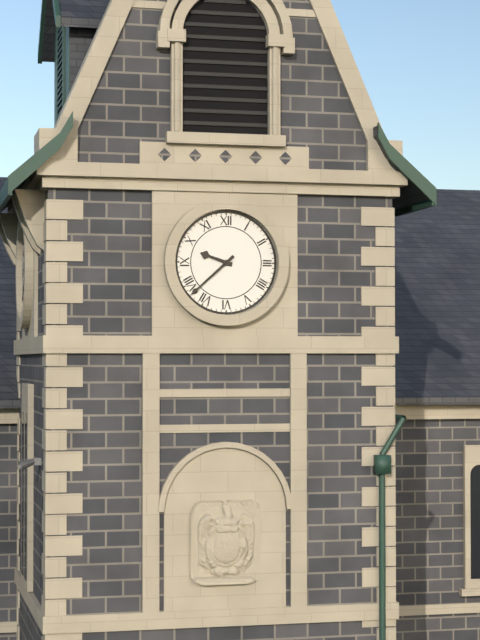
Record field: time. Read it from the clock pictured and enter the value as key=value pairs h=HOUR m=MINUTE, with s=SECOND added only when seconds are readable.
h=9 m=38
